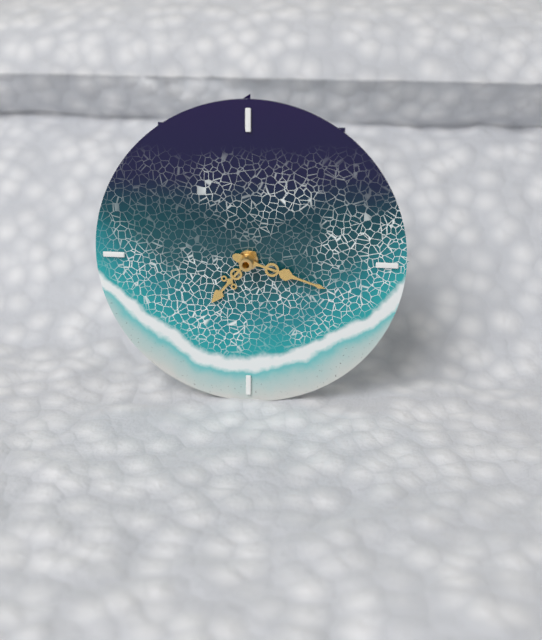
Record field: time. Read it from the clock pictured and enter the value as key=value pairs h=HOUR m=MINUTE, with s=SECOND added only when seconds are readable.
h=7 m=18
